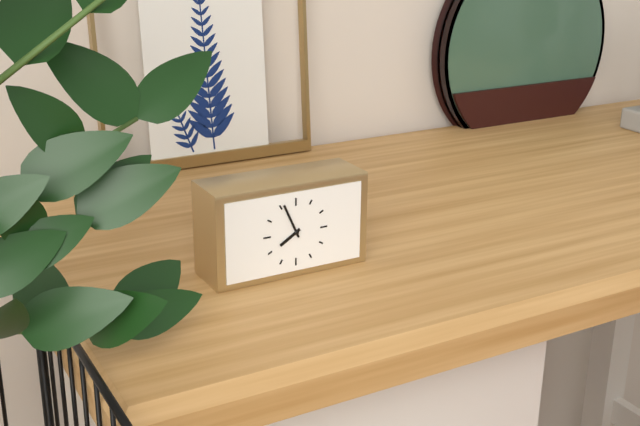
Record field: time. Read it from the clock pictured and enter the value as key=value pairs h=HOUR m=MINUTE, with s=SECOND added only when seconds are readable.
h=7 m=56
